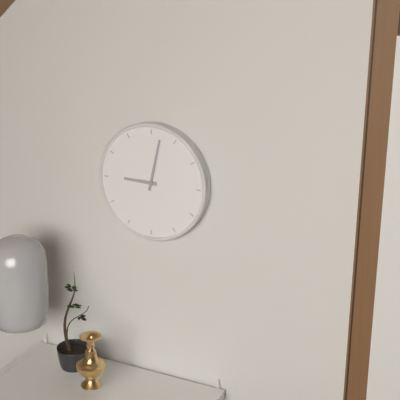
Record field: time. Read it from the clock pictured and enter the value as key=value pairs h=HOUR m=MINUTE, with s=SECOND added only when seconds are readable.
h=9 m=2
